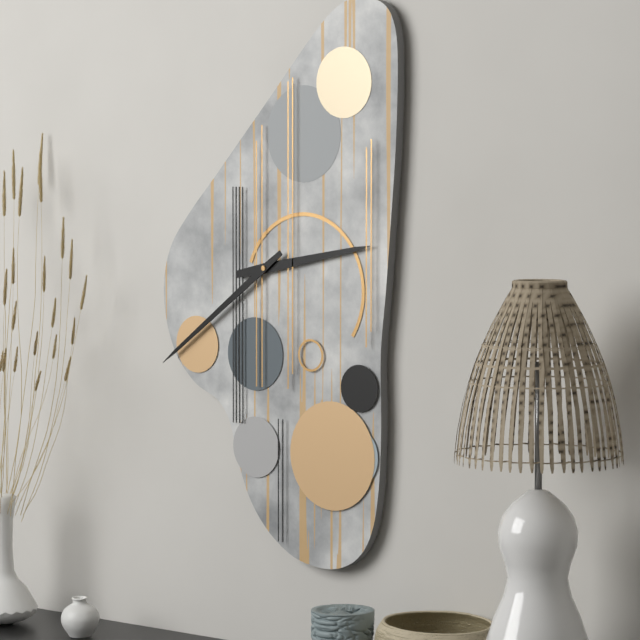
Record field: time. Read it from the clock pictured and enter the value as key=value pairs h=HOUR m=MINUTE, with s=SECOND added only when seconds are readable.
h=2 m=39
